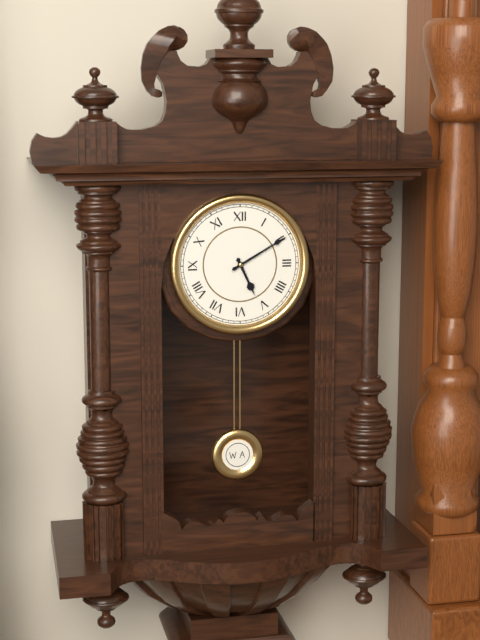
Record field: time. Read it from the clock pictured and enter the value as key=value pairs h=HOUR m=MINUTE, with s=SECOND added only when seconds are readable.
h=5 m=10
